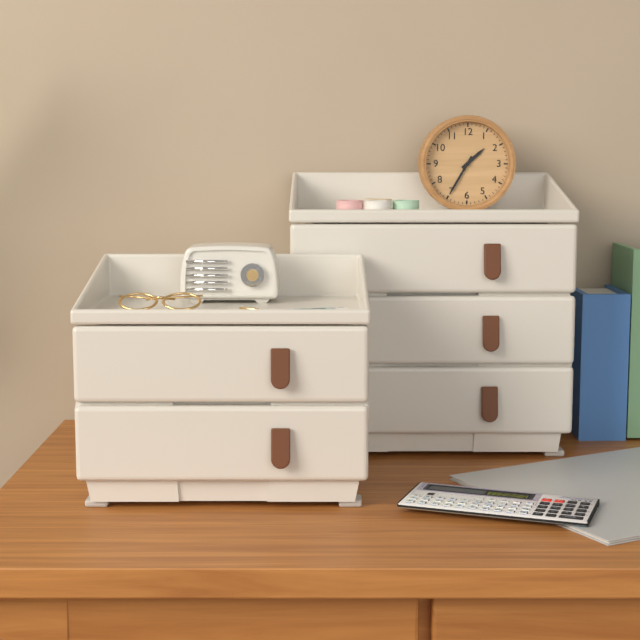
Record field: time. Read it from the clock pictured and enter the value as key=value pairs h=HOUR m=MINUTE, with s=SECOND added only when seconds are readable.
h=1 m=35
